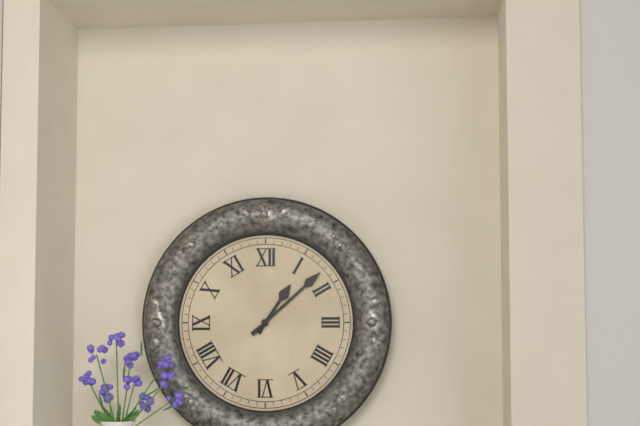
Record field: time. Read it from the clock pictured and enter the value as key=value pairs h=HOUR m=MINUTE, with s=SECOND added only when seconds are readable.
h=1 m=8
